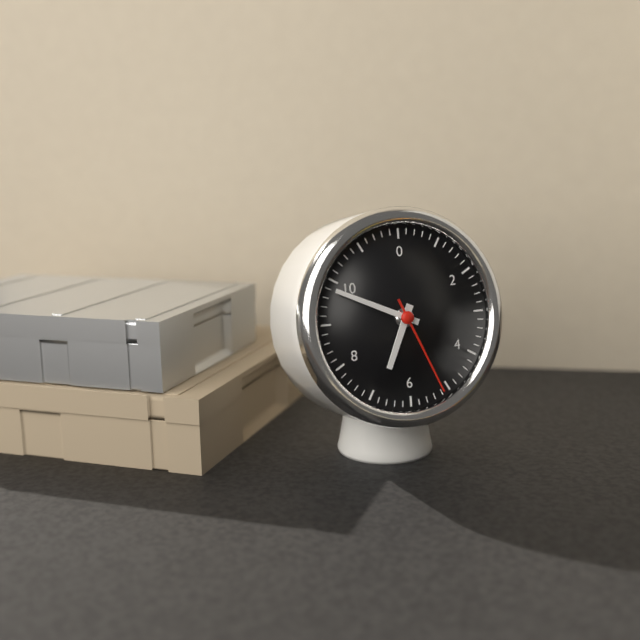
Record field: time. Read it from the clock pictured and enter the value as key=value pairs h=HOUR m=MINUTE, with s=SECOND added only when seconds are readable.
h=6 m=49 s=26
